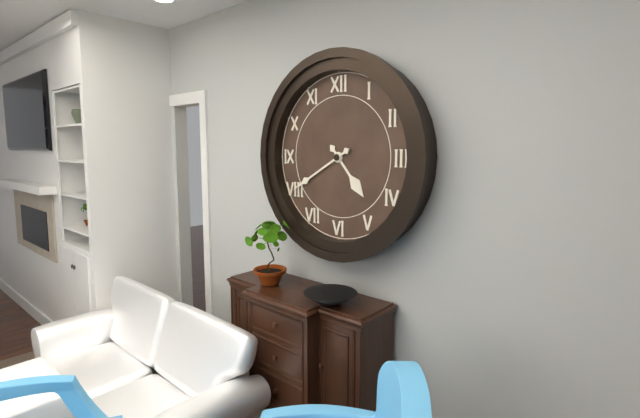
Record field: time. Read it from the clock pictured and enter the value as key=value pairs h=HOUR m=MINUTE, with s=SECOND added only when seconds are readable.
h=4 m=40
